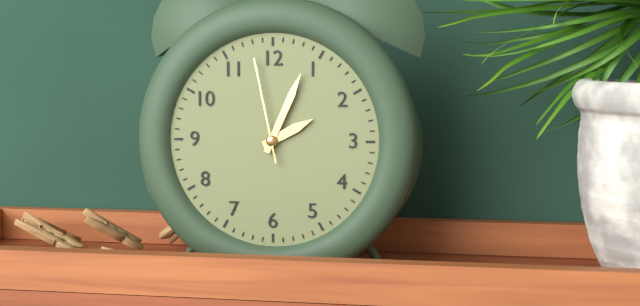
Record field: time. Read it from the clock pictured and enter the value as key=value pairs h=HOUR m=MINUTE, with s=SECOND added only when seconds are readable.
h=2 m=4 s=58
